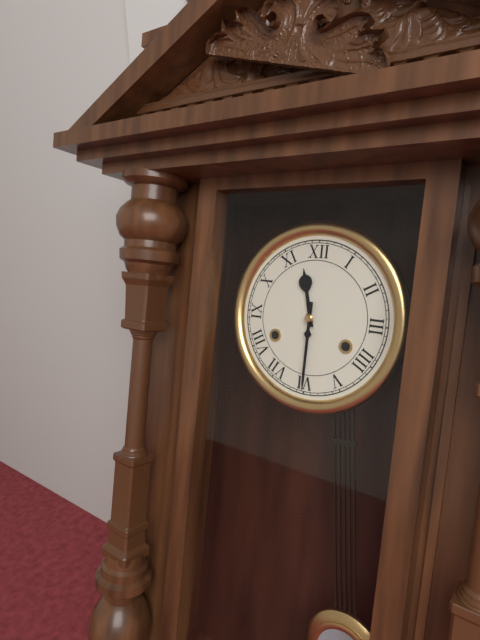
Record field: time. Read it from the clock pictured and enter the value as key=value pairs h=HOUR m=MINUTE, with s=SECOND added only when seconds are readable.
h=11 m=30
